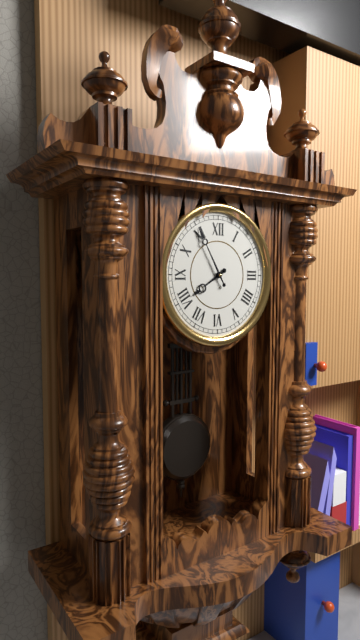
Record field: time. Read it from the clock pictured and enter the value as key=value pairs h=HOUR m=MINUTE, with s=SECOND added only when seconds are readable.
h=7 m=55
